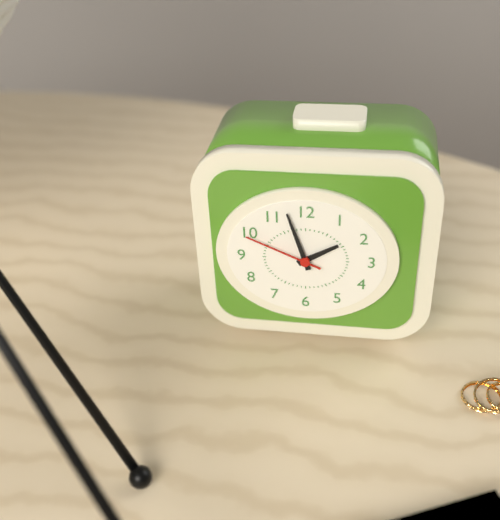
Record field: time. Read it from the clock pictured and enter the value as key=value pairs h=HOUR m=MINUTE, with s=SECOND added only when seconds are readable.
h=1 m=57 s=49
